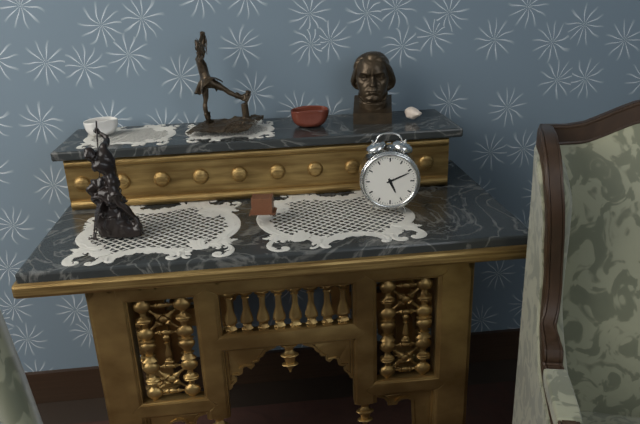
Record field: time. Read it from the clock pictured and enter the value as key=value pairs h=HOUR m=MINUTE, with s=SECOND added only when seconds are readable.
h=5 m=11
